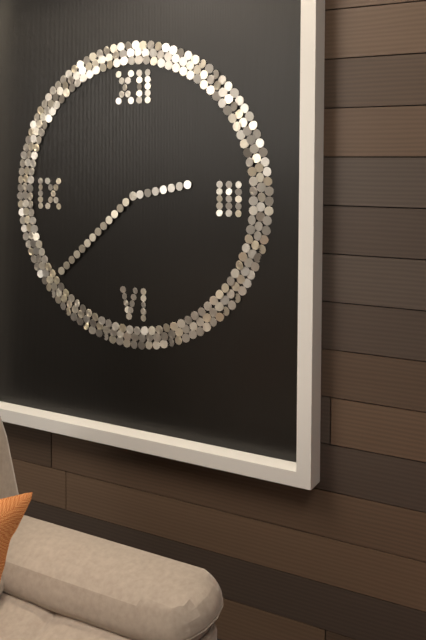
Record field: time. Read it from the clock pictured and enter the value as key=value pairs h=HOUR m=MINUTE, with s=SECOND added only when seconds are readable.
h=2 m=38
